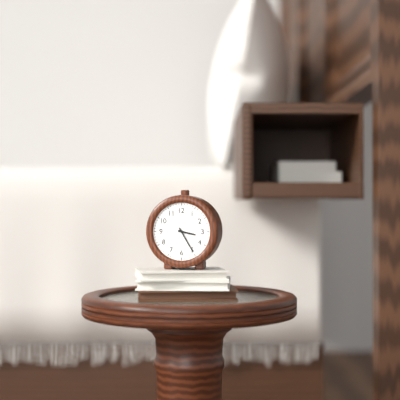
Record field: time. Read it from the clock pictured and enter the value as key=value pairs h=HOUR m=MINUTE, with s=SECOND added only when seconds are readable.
h=3 m=25
